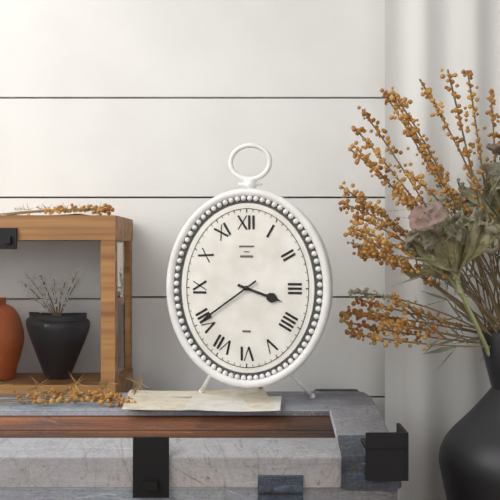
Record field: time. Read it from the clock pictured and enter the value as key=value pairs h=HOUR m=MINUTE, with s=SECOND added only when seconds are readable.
h=3 m=39
